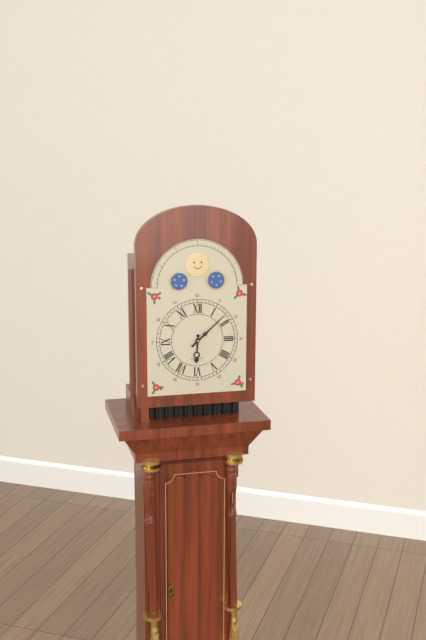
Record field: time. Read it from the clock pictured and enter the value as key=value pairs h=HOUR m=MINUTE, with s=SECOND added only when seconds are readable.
h=6 m=8
